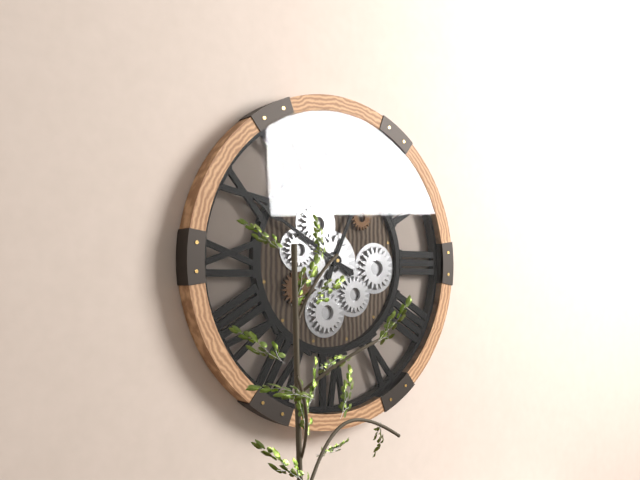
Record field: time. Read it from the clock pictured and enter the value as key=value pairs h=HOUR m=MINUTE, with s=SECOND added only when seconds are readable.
h=12 m=50
